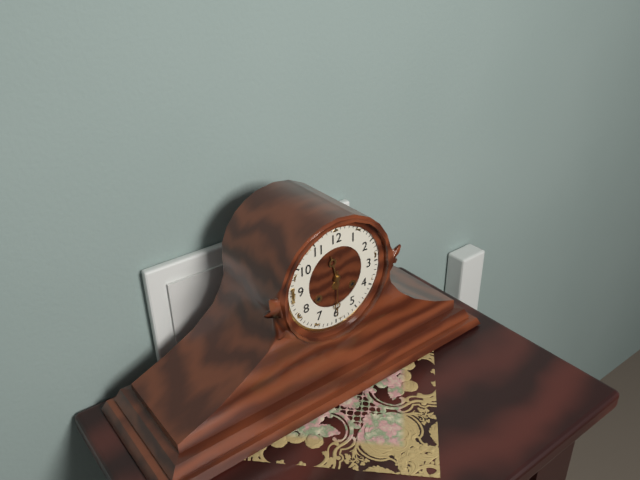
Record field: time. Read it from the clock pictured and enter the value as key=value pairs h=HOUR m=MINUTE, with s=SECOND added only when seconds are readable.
h=11 m=30
